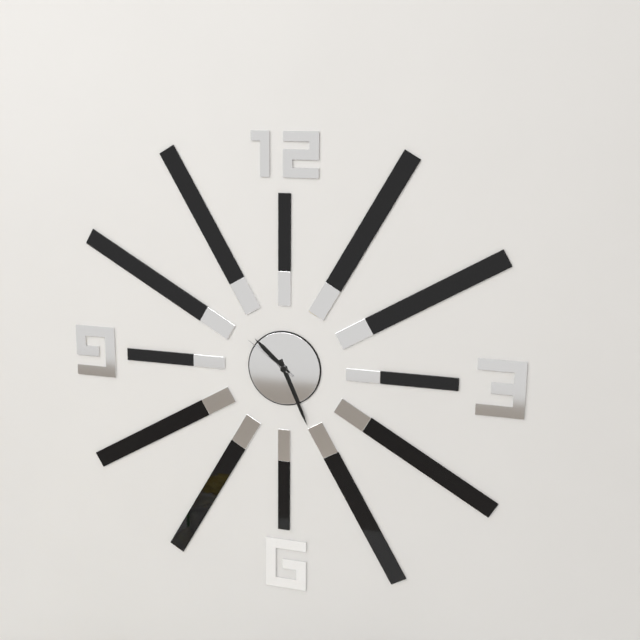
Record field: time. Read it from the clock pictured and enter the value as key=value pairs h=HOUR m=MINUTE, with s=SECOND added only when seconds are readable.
h=10 m=26 s=51
